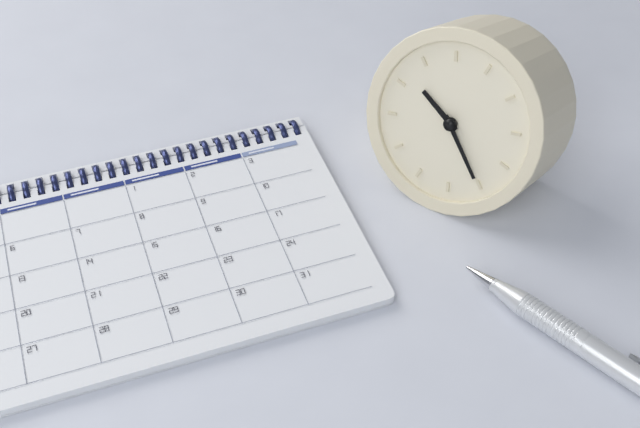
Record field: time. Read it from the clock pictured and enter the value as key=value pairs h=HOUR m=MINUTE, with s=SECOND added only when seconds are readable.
h=10 m=25
